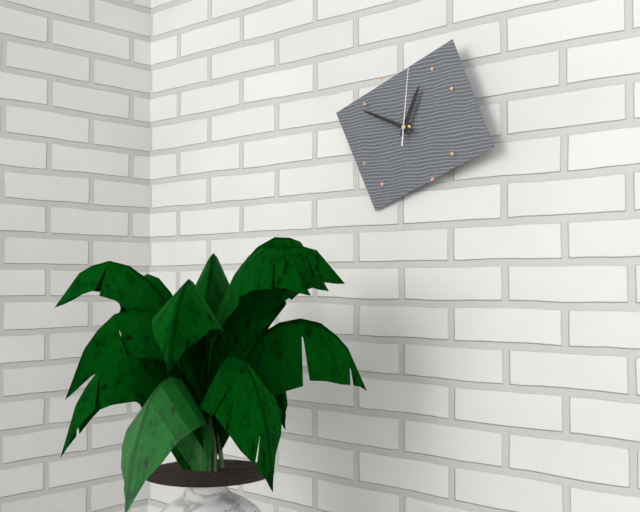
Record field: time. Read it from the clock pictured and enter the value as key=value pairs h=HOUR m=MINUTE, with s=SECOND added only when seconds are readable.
h=12 m=49 s=1
